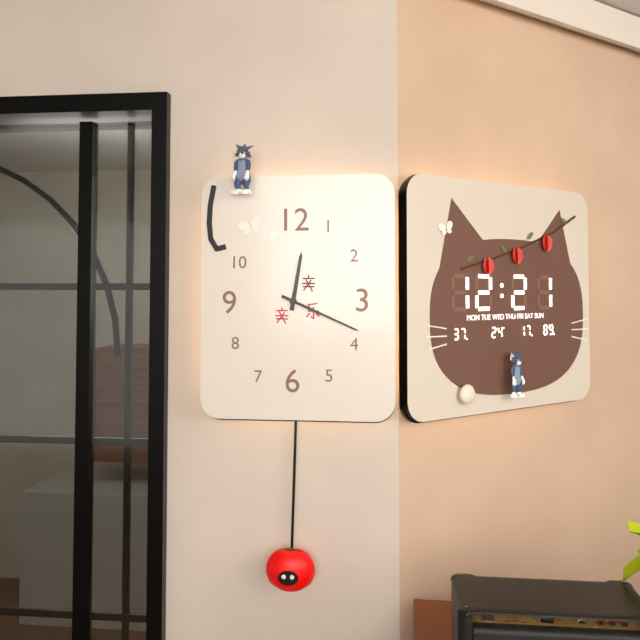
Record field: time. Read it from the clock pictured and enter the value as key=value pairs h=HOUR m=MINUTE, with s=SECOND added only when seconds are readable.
h=12 m=19
